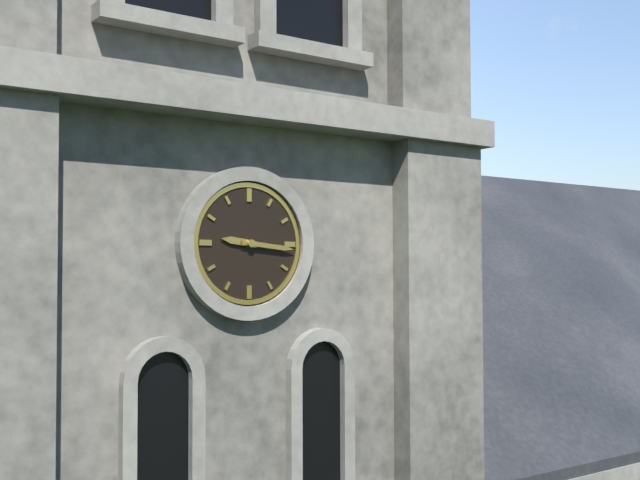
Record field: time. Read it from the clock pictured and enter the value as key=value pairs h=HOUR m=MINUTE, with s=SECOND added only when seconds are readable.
h=9 m=16
